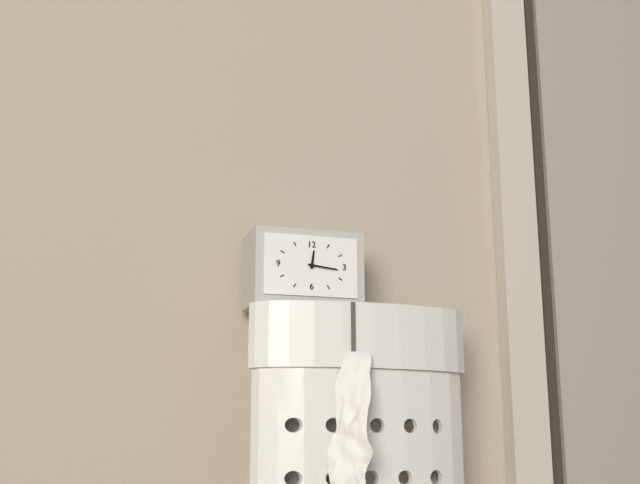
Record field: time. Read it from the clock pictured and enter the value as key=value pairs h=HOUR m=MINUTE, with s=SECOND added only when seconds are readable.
h=12 m=16
